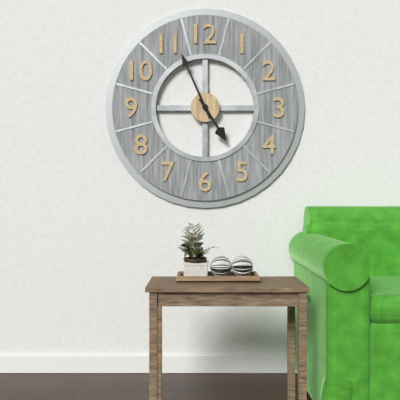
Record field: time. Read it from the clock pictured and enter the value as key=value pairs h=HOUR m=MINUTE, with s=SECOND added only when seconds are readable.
h=4 m=56
